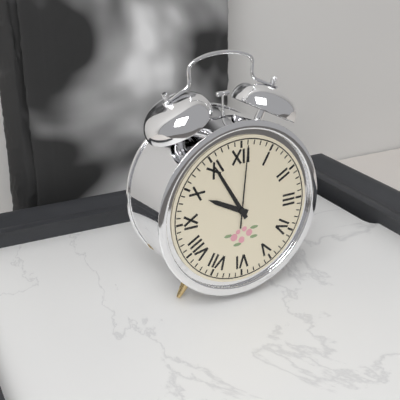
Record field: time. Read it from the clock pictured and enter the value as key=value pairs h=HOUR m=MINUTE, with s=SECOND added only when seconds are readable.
h=9 m=55 s=1
